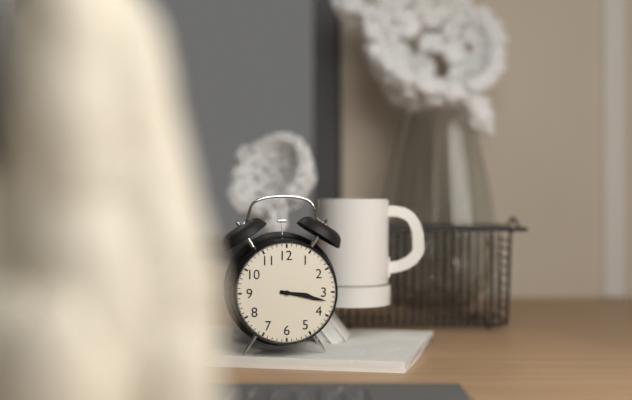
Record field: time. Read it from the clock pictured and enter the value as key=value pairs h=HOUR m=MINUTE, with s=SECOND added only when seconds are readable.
h=3 m=17
